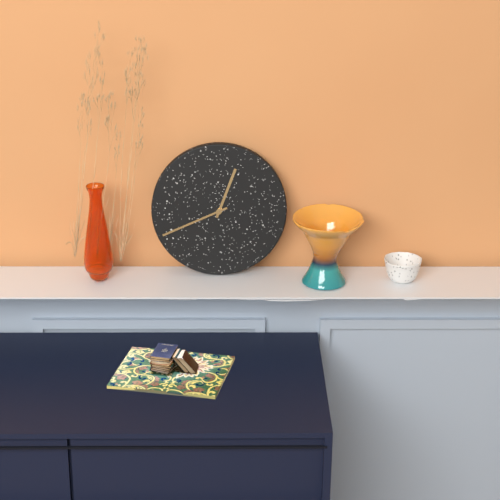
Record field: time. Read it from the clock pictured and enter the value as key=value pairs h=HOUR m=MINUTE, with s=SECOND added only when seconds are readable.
h=12 m=41
